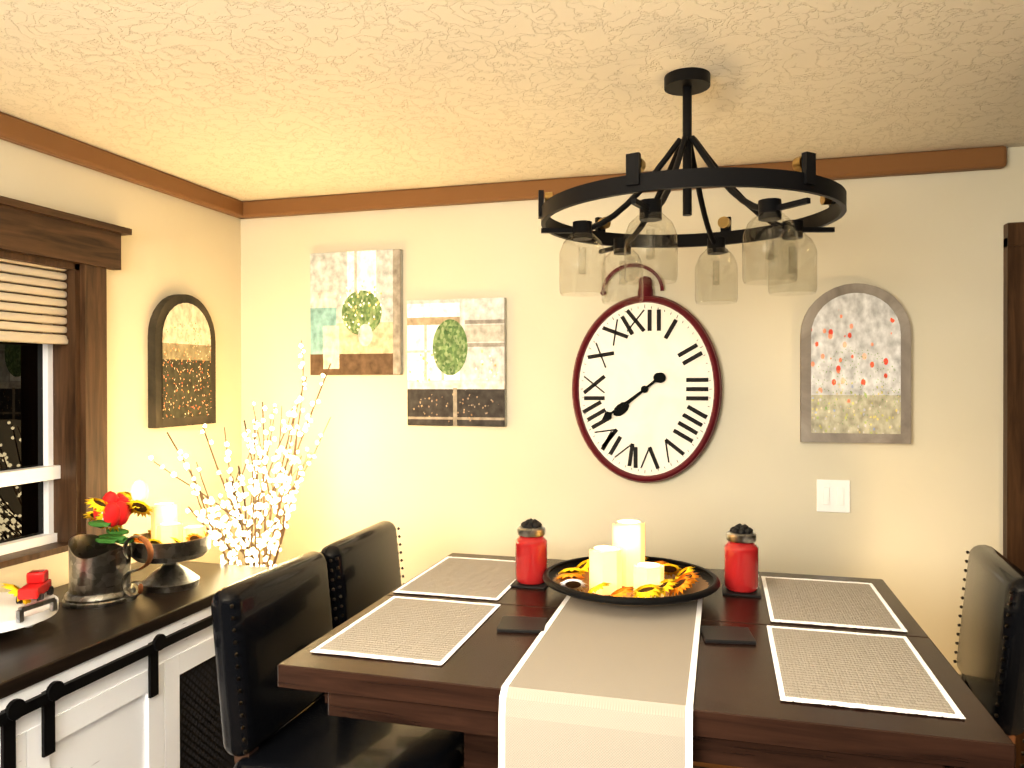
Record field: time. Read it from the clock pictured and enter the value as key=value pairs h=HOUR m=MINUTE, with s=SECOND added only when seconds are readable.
h=7 m=39
